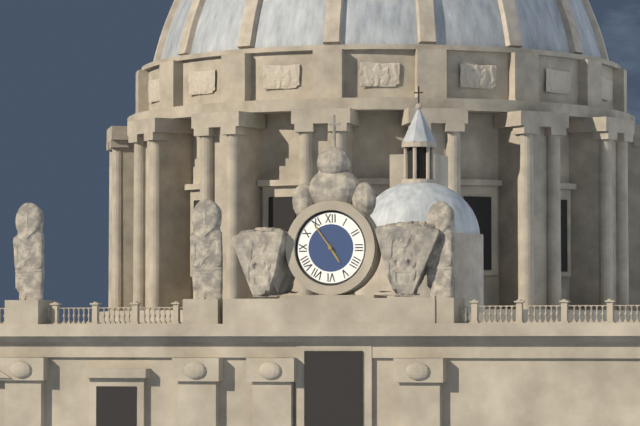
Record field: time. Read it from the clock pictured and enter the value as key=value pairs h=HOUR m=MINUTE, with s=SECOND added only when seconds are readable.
h=4 m=54
